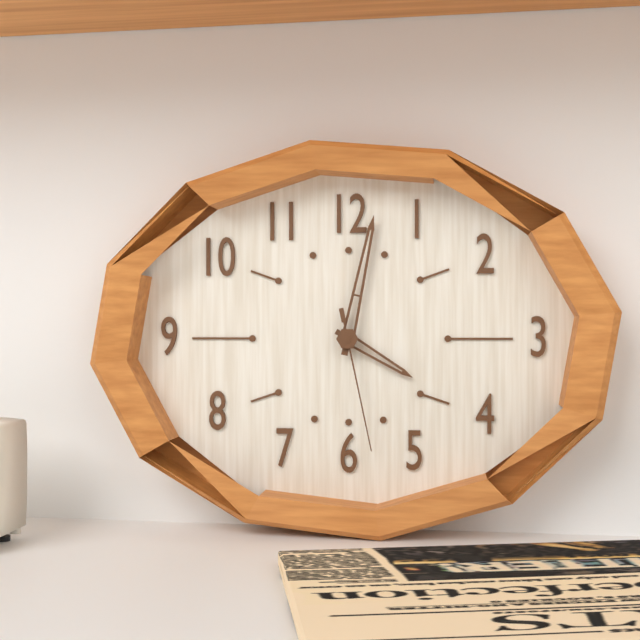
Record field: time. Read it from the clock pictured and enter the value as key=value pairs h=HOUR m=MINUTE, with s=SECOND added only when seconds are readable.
h=4 m=2 s=28
